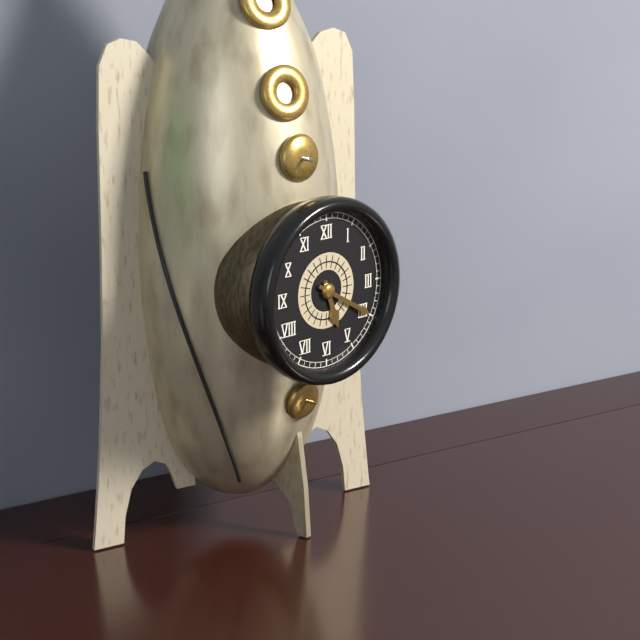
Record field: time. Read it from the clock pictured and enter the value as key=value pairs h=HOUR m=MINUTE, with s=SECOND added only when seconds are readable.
h=5 m=20
